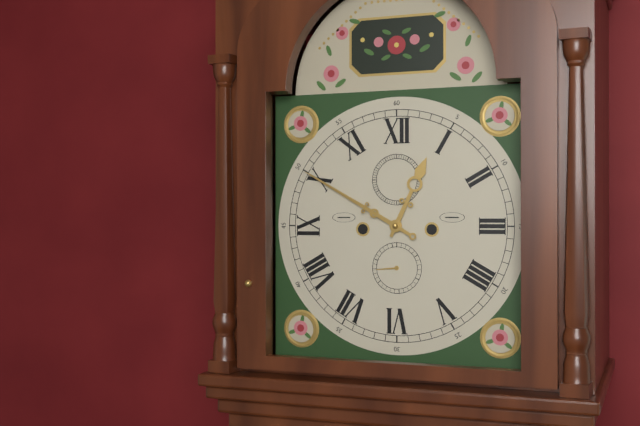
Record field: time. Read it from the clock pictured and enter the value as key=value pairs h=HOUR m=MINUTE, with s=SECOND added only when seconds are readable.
h=12 m=50
